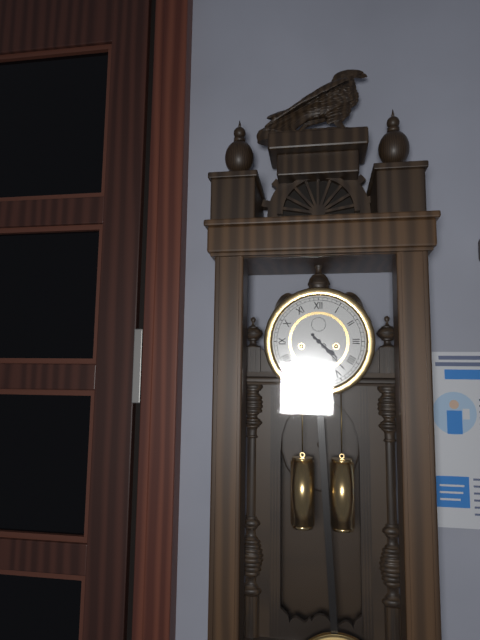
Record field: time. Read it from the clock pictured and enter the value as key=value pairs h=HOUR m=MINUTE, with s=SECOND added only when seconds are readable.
h=4 m=23
